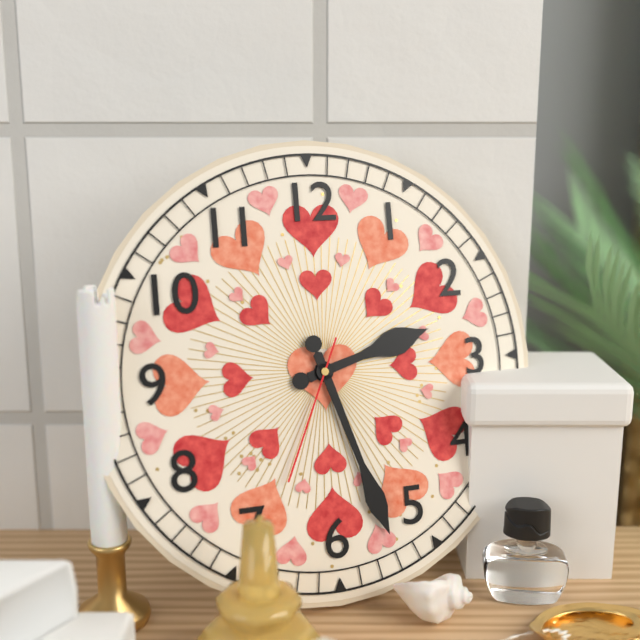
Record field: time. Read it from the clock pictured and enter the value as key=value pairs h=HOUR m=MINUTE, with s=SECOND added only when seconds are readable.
h=2 m=27 s=34
